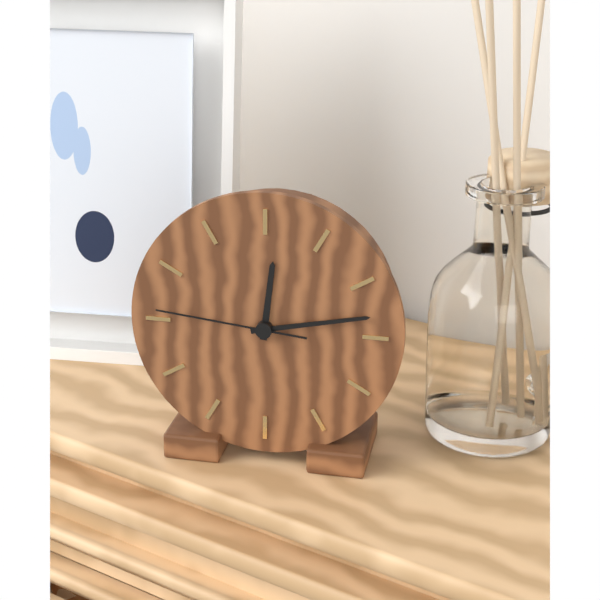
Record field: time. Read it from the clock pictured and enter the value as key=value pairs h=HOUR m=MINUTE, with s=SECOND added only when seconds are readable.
h=12 m=13 s=46
